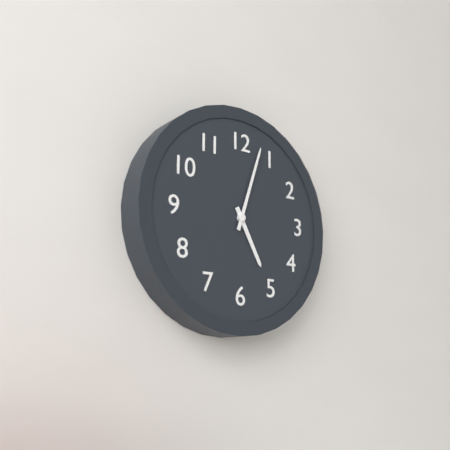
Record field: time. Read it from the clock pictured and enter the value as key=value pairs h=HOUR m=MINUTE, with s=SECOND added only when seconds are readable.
h=5 m=3
